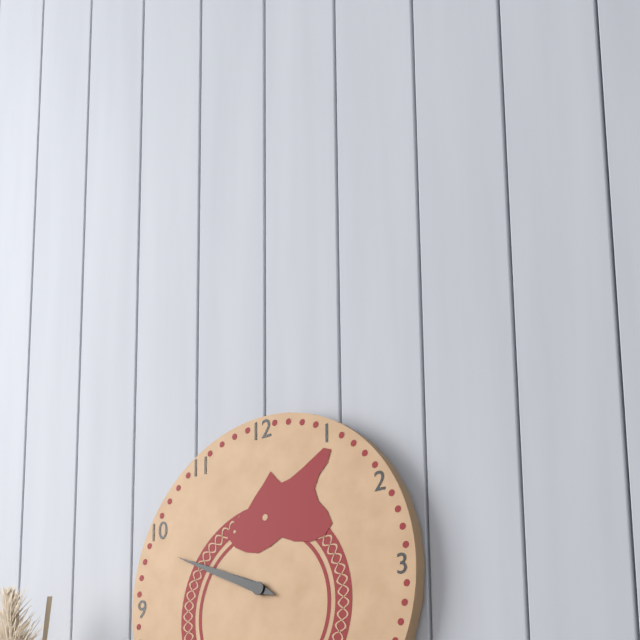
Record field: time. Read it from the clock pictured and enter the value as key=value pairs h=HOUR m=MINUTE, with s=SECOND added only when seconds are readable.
h=9 m=49
